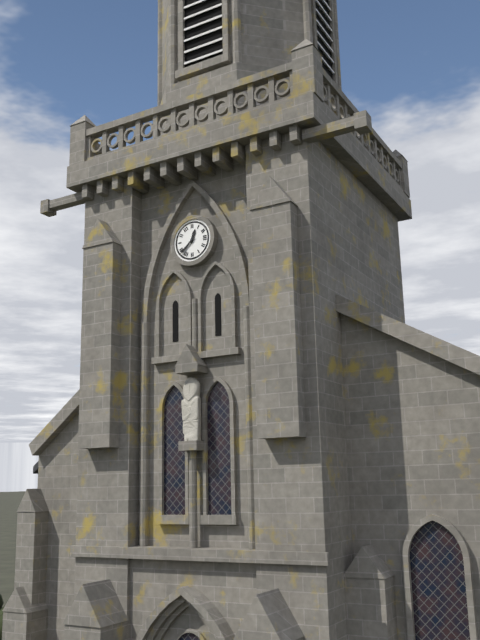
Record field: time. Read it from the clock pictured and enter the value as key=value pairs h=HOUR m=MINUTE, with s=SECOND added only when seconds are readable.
h=12 m=38
